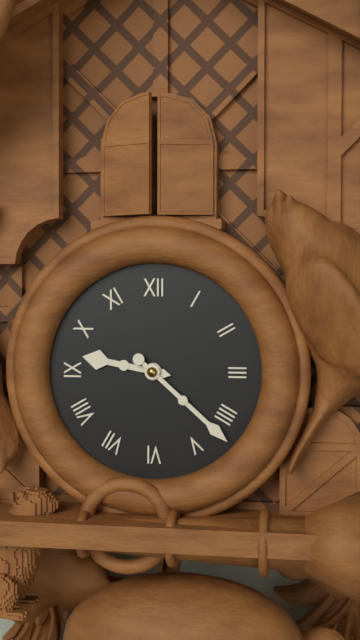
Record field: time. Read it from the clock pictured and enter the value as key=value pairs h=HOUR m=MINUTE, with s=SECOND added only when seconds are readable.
h=9 m=22
